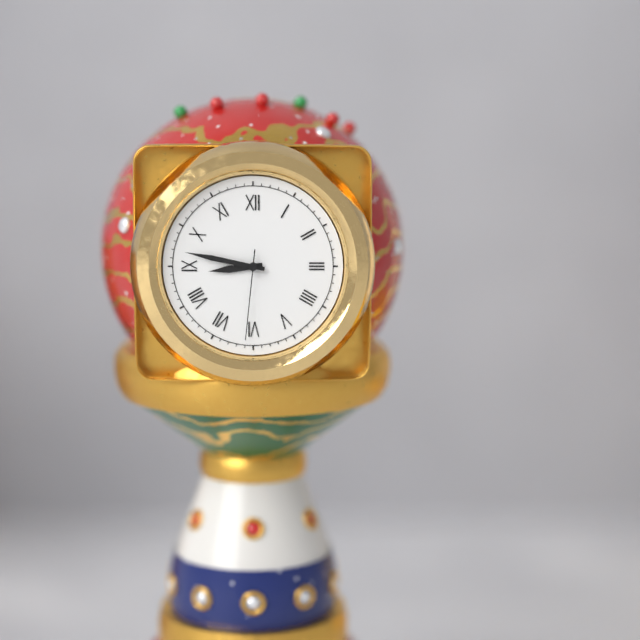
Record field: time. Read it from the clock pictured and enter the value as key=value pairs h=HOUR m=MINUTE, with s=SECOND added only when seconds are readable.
h=8 m=47 s=31
